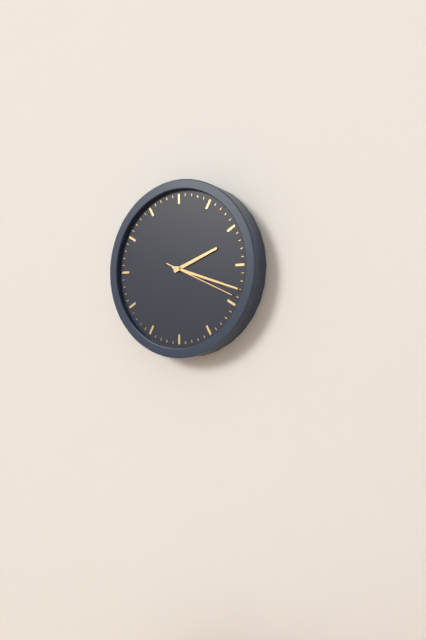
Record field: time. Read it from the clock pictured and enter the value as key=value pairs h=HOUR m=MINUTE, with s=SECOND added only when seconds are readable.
h=2 m=18 s=19
